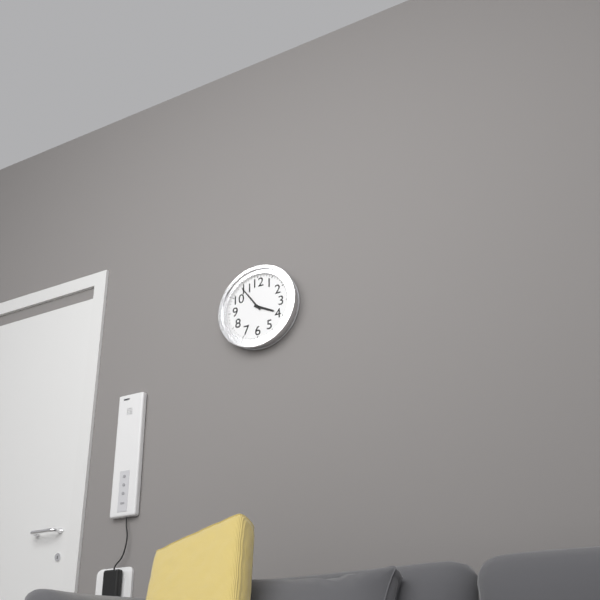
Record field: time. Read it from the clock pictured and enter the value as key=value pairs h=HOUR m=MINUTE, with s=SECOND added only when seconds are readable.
h=3 m=54
